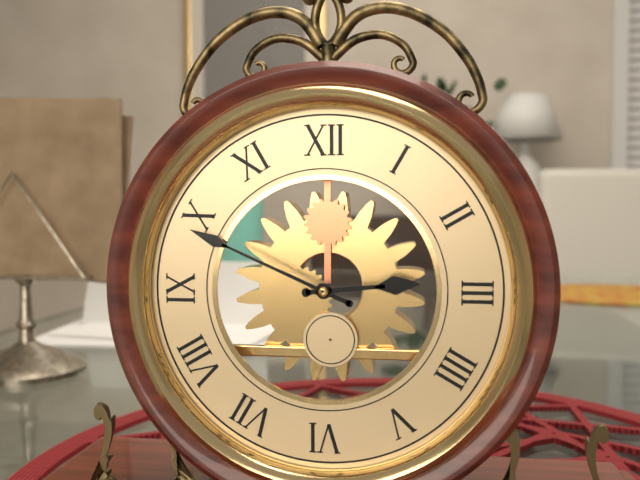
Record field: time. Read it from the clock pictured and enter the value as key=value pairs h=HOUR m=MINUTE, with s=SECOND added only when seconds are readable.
h=2 m=49
